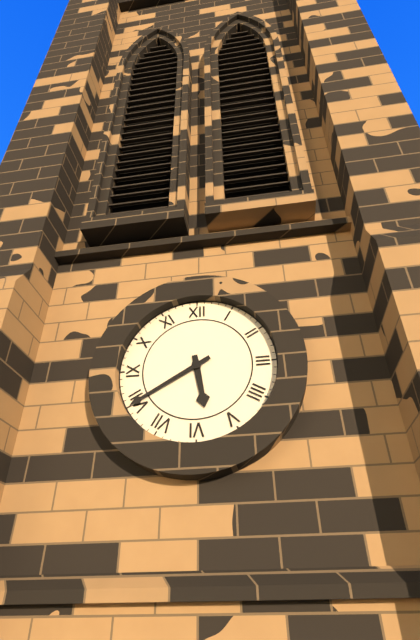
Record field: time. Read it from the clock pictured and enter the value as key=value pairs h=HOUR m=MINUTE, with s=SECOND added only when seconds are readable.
h=5 m=40
